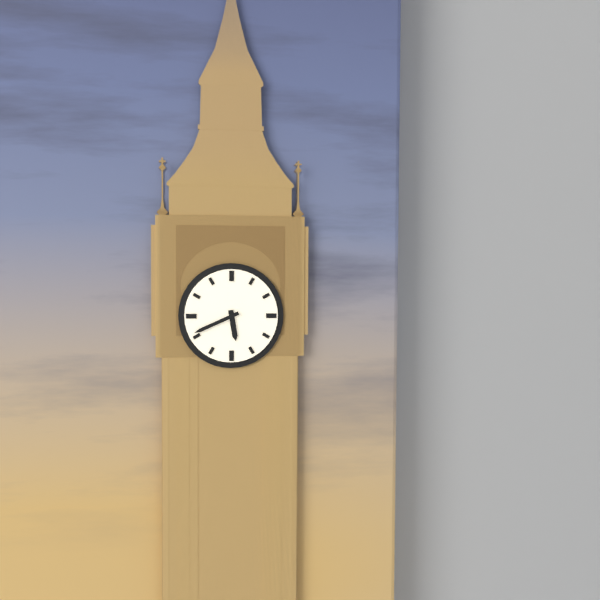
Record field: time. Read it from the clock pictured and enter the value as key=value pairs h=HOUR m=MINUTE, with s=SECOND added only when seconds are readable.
h=5 m=41
